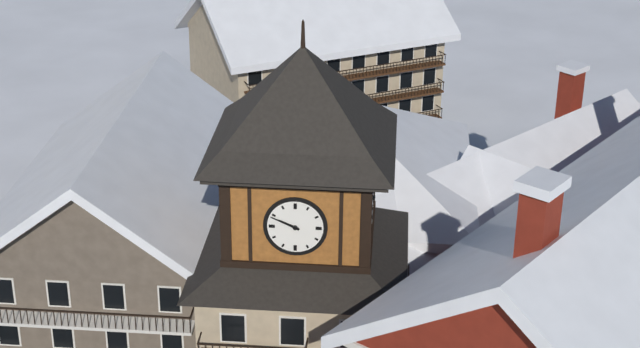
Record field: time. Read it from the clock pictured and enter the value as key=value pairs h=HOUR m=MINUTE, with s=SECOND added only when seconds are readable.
h=9 m=49
